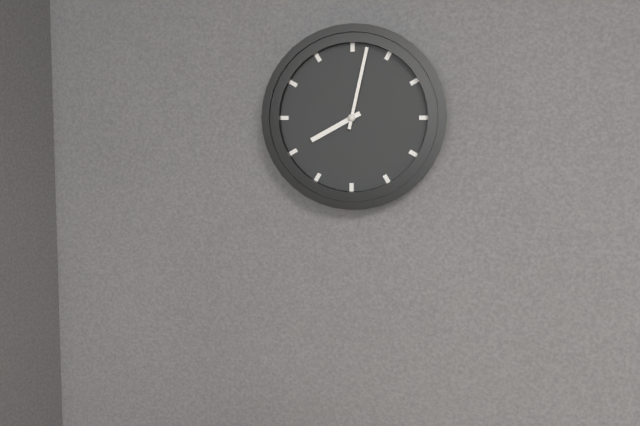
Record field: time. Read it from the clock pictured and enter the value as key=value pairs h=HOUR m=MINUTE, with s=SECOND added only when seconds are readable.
h=8 m=2
